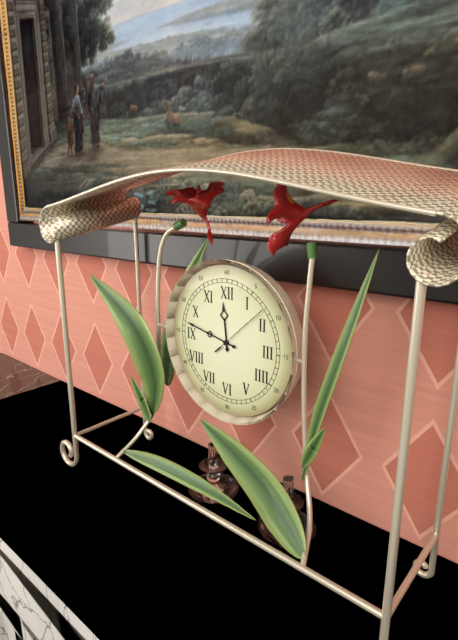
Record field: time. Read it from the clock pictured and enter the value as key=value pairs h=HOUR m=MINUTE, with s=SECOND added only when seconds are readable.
h=11 m=47 s=8
